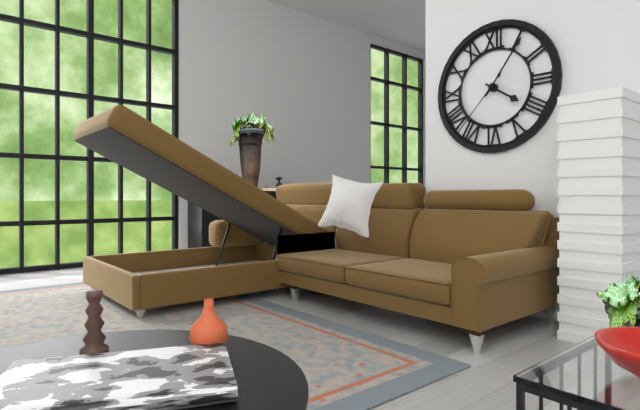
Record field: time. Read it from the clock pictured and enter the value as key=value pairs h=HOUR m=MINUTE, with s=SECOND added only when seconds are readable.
h=4 m=6 s=37
